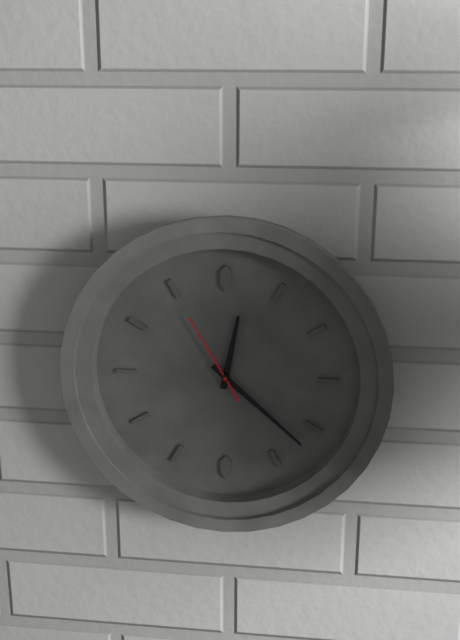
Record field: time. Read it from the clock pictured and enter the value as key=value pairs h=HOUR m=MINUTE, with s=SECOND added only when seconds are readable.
h=12 m=22 s=55
